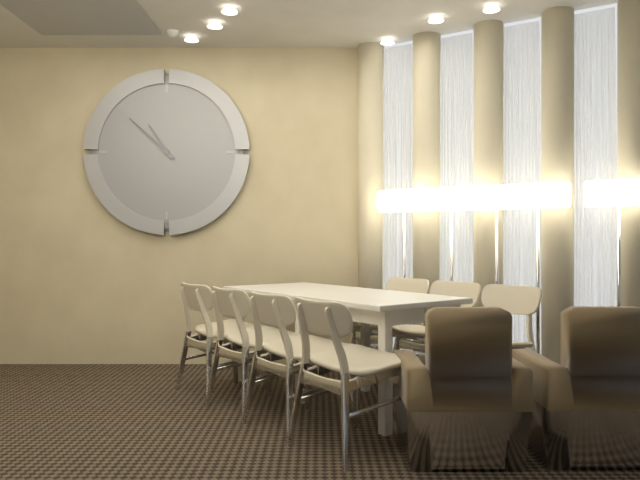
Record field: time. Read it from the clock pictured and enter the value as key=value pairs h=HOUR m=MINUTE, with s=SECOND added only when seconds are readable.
h=10 m=52
